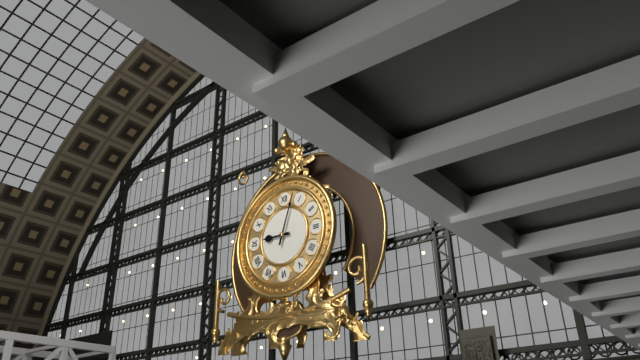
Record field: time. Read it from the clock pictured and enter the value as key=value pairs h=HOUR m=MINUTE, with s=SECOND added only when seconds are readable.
h=9 m=3
